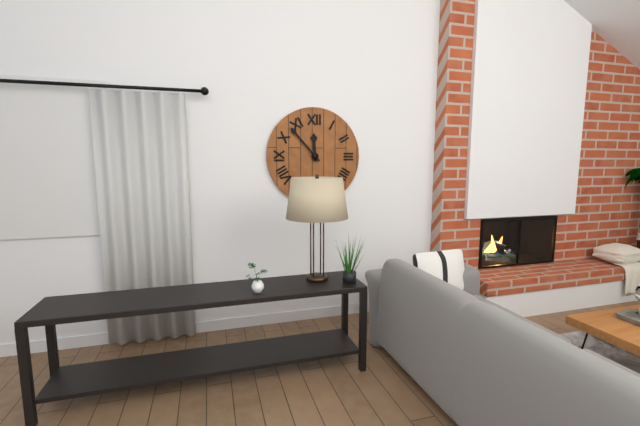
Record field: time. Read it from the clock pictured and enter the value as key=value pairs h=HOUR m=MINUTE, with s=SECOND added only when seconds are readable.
h=11 m=53
